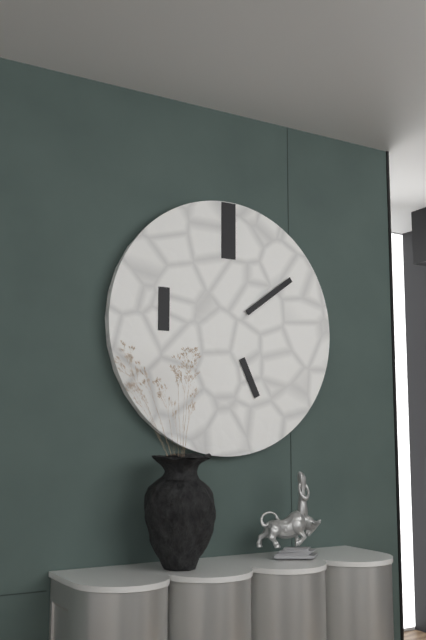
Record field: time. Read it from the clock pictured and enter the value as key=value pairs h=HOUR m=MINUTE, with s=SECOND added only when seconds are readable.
h=5 m=9
